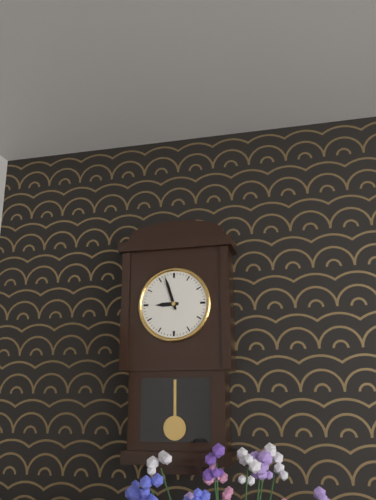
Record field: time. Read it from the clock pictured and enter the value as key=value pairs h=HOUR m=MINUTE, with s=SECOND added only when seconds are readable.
h=8 m=57
